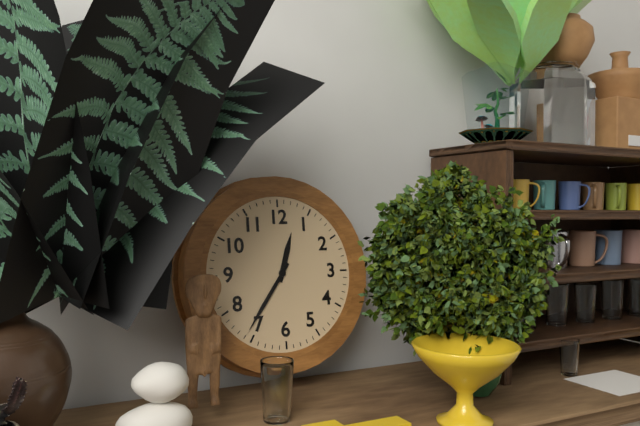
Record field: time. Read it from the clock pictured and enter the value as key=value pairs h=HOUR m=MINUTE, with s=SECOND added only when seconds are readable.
h=12 m=36
